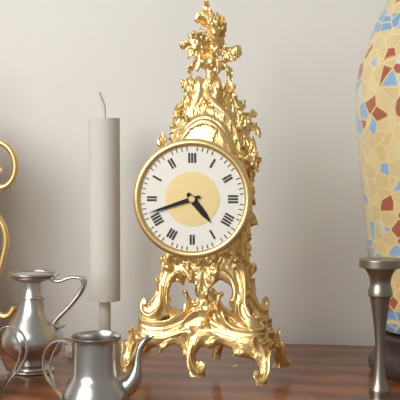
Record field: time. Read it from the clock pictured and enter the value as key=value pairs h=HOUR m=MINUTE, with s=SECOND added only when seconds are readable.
h=4 m=42
